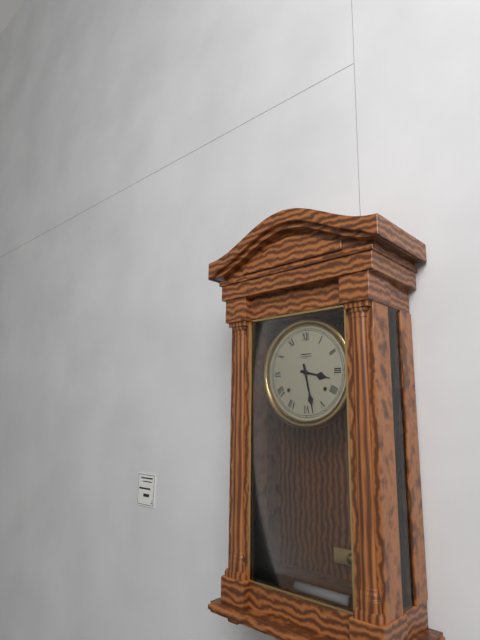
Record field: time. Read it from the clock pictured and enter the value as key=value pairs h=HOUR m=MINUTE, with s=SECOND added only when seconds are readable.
h=3 m=28
